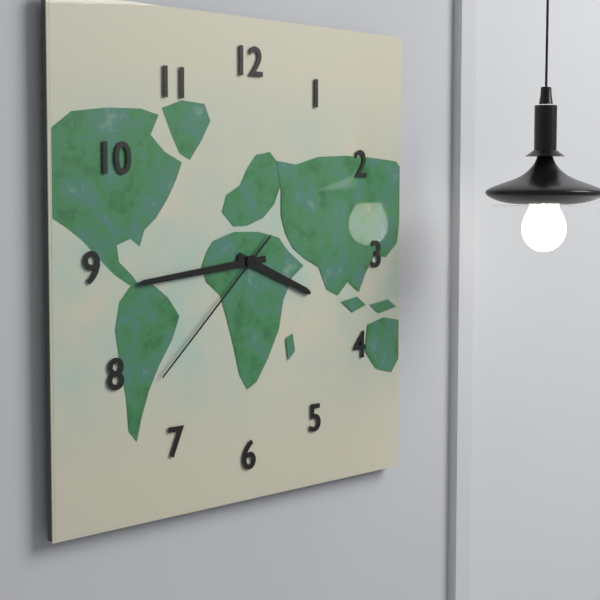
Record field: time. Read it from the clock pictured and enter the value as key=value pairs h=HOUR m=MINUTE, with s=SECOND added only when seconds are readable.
h=3 m=44 s=38
